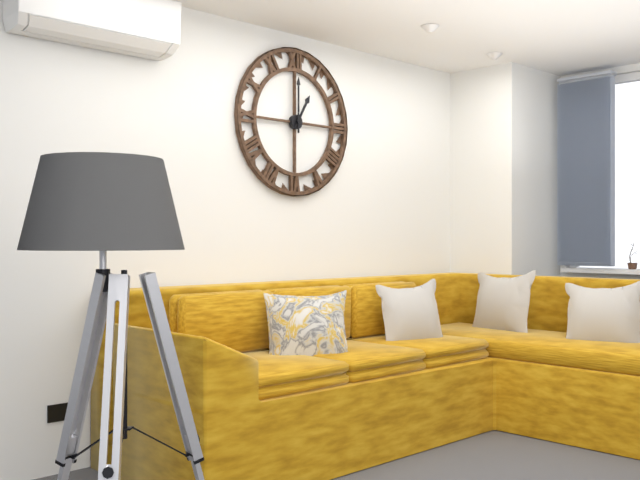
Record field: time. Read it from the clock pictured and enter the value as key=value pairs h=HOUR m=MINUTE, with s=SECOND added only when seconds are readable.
h=1 m=0
